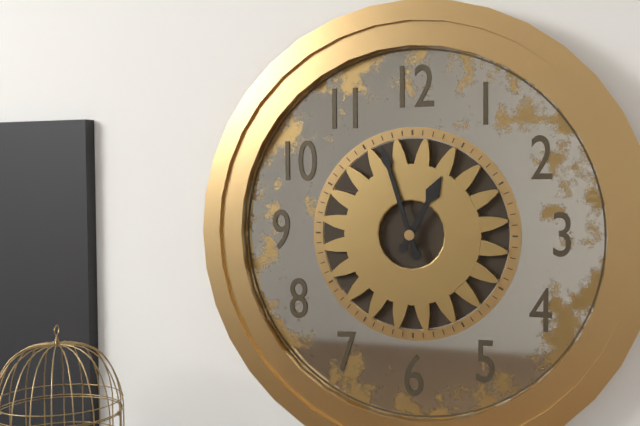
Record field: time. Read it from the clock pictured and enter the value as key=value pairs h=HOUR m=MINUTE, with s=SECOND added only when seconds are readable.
h=12 m=57
